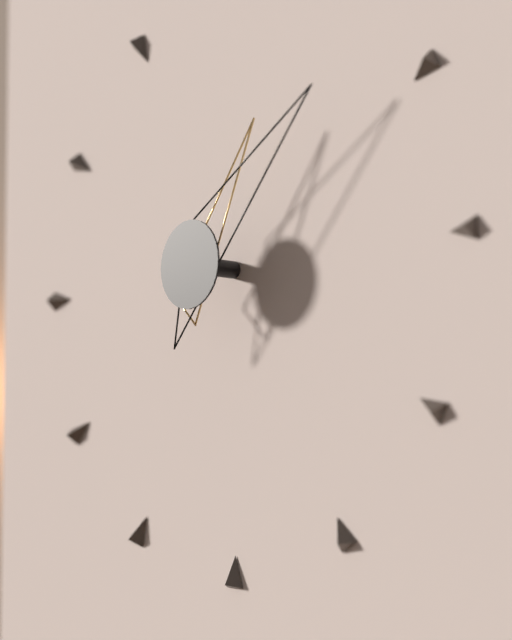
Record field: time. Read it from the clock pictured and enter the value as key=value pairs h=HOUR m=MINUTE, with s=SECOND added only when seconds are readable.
h=1 m=8
